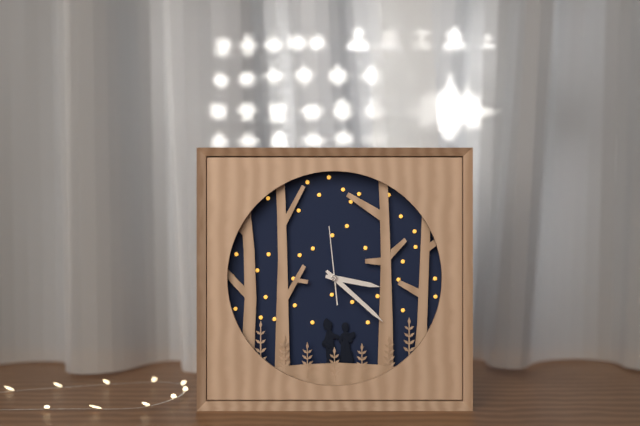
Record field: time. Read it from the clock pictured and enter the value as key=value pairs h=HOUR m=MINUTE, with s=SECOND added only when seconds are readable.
h=3 m=22 s=59
